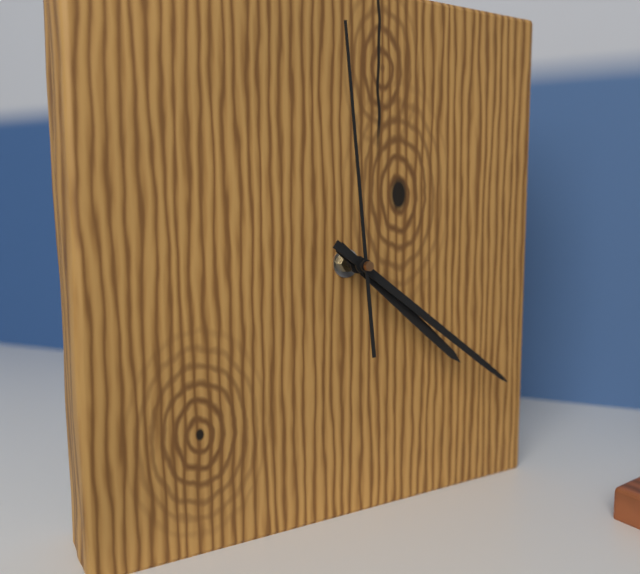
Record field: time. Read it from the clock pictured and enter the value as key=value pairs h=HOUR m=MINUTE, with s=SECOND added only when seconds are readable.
h=4 m=21 s=59
